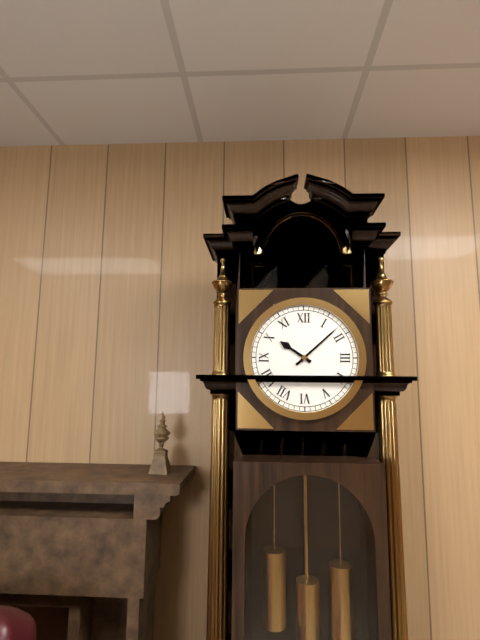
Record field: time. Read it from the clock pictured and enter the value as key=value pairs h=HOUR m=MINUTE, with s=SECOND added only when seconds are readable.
h=10 m=8
